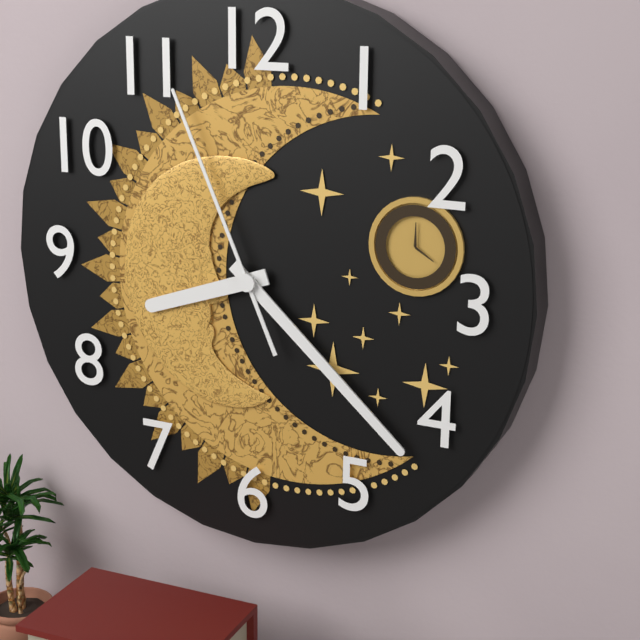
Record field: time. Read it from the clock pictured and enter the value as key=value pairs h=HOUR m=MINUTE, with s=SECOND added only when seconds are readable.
h=8 m=22 s=56
